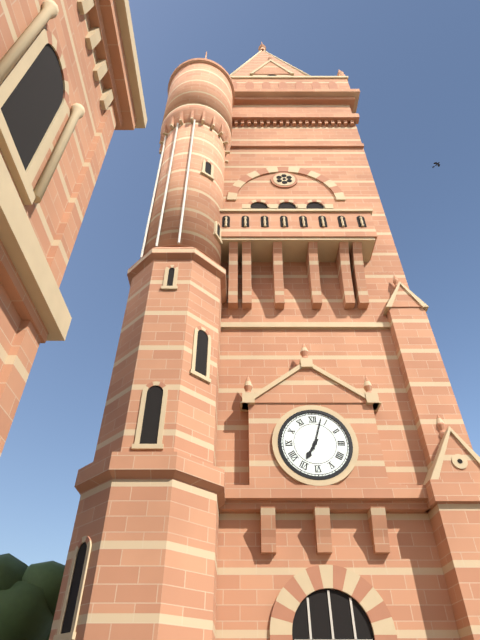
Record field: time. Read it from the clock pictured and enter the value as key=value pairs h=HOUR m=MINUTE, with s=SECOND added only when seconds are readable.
h=7 m=3
